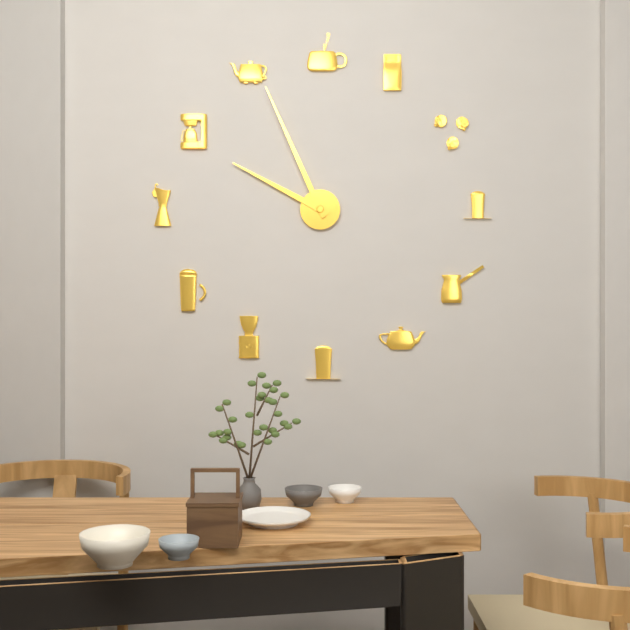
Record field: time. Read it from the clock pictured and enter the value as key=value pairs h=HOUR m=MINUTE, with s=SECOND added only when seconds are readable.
h=9 m=56
